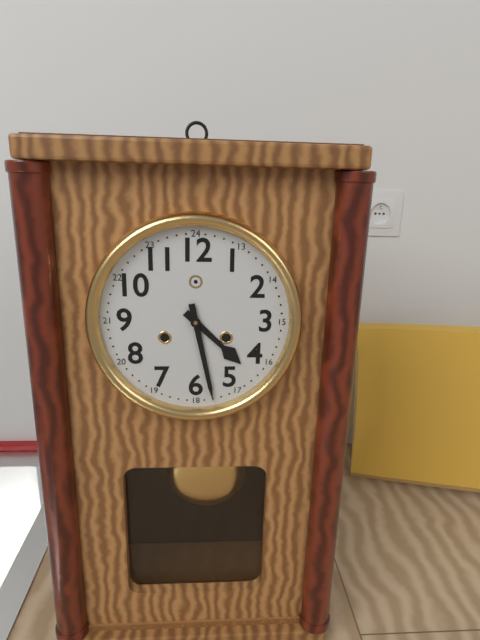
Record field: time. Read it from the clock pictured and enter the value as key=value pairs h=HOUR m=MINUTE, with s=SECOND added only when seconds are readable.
h=4 m=28
